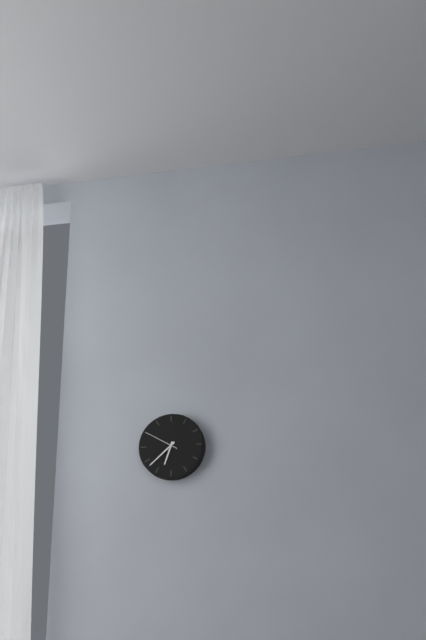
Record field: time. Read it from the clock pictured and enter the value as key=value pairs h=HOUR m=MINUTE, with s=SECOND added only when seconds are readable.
h=6 m=38
